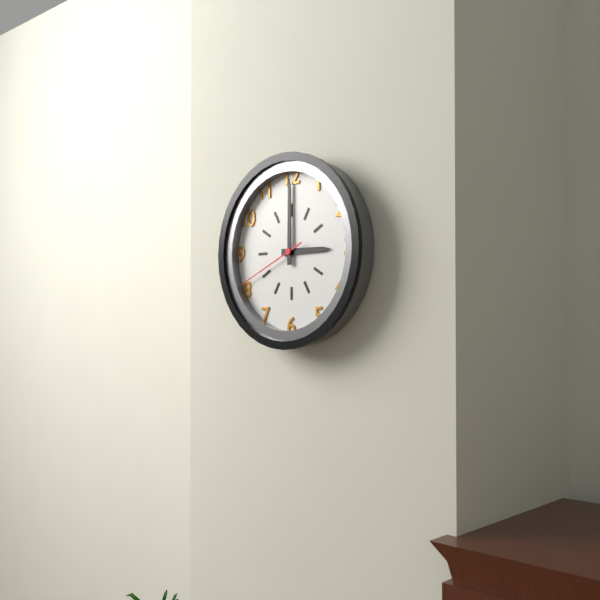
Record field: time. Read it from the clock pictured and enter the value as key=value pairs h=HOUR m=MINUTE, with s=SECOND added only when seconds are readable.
h=3 m=0 s=41
